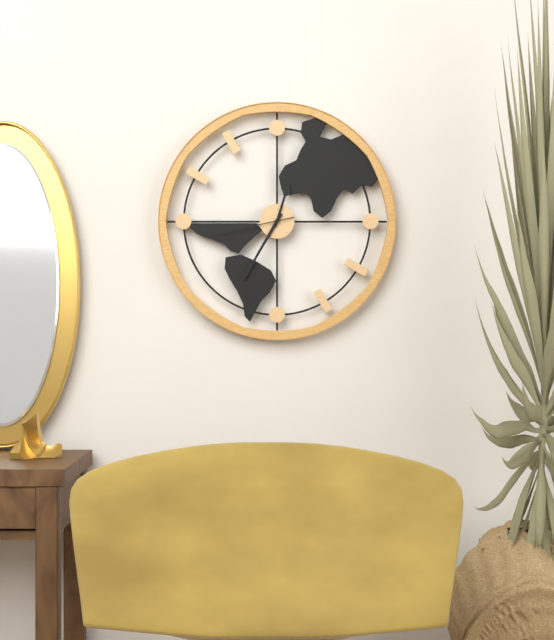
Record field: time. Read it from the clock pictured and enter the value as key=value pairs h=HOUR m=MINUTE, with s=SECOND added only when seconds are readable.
h=12 m=35 s=43
